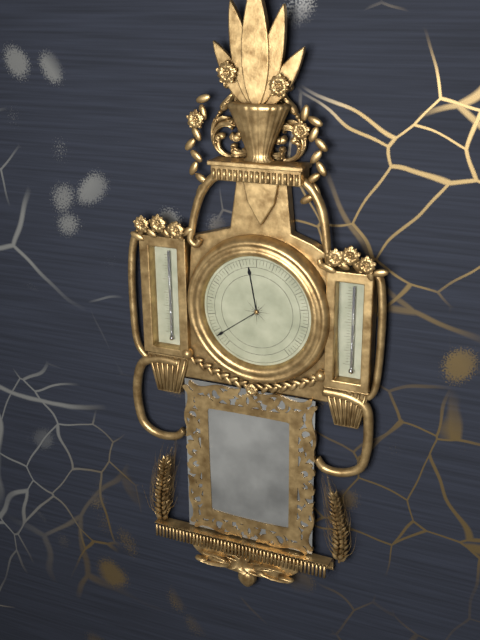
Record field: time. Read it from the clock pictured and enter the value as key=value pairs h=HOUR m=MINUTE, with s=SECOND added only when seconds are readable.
h=11 m=39
